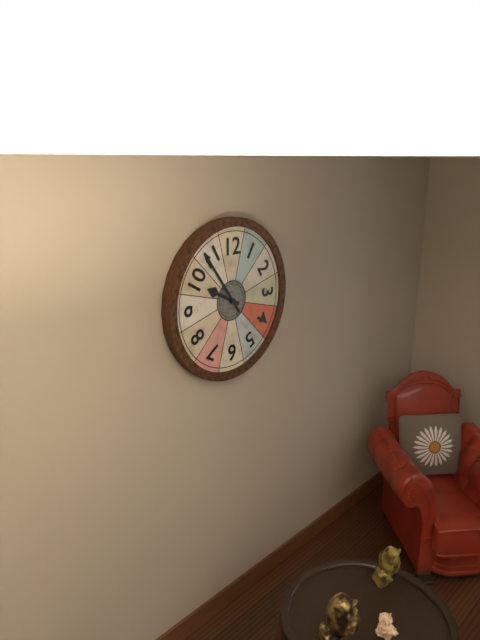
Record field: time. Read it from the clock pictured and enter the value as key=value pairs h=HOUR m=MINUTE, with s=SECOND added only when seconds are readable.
h=9 m=54
